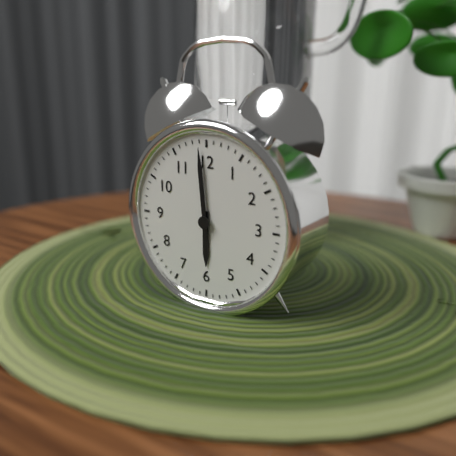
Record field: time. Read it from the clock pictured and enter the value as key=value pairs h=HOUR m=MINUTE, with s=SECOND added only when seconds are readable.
h=5 m=59
